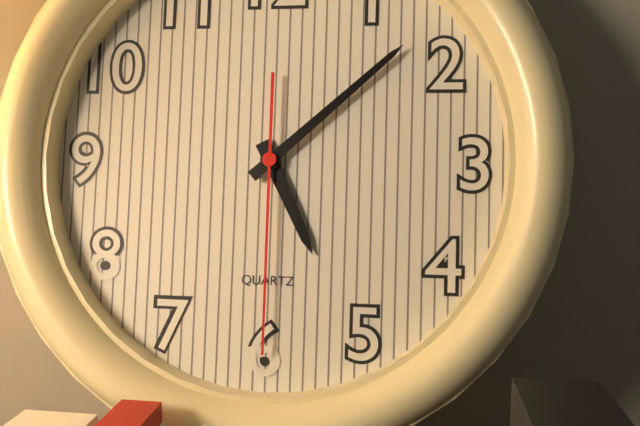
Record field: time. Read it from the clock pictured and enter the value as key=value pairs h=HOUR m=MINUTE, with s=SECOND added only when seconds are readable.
h=5 m=8 s=30
